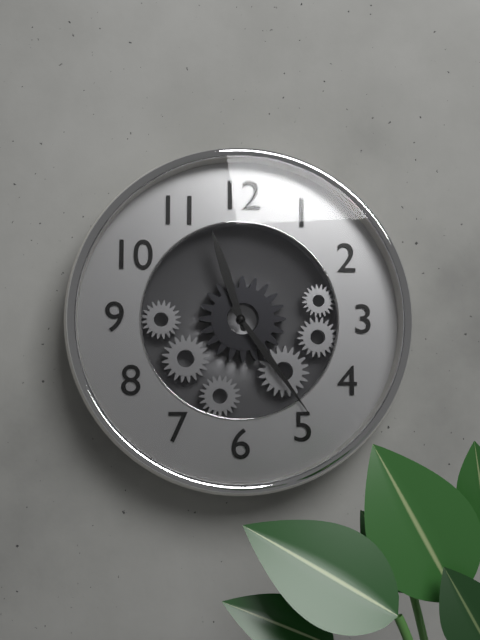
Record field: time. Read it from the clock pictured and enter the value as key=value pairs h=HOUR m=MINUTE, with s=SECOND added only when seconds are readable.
h=11 m=24
